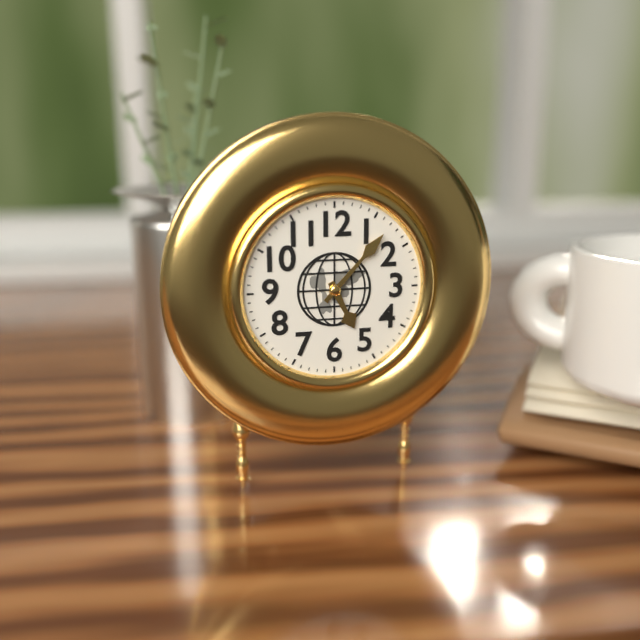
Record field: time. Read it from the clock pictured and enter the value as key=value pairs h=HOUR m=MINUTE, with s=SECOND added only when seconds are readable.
h=5 m=7
